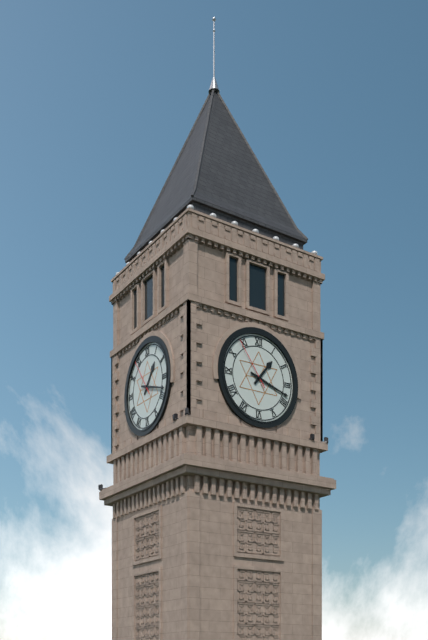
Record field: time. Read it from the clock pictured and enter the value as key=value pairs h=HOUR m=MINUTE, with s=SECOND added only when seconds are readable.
h=1 m=18 s=54
